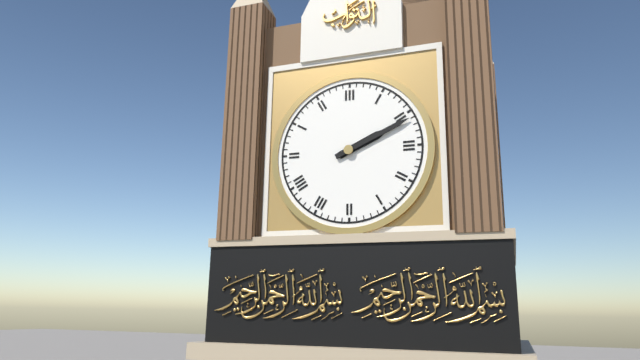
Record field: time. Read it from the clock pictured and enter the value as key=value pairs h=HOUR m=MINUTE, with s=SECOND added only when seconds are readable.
h=2 m=11
